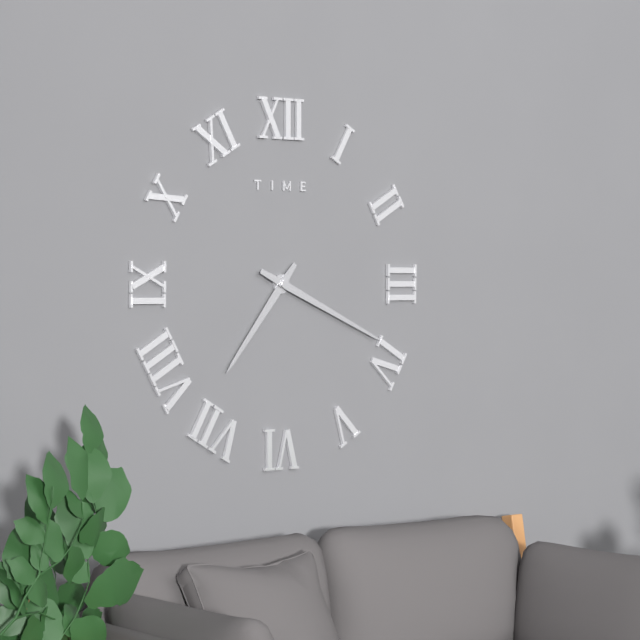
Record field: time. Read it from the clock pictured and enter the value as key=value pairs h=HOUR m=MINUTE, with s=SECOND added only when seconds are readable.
h=7 m=19
